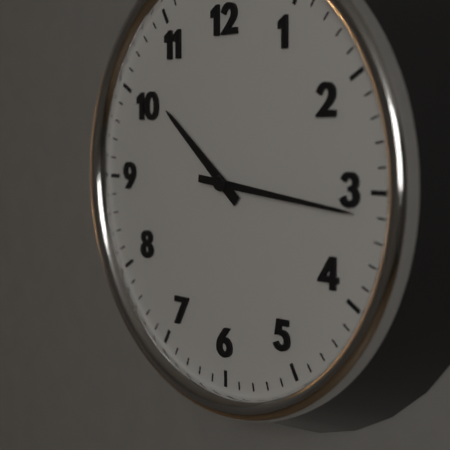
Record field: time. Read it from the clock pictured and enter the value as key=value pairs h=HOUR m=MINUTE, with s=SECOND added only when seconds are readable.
h=10 m=16
